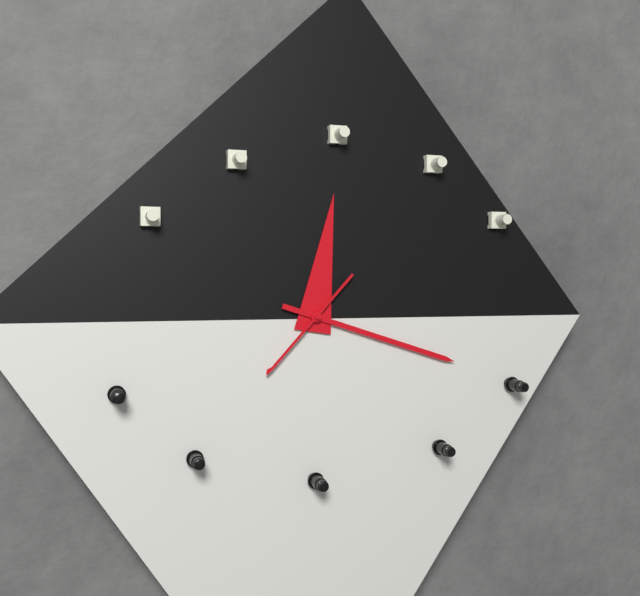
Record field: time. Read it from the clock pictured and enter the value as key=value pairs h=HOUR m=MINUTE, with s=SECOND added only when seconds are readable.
h=12 m=18 s=37
